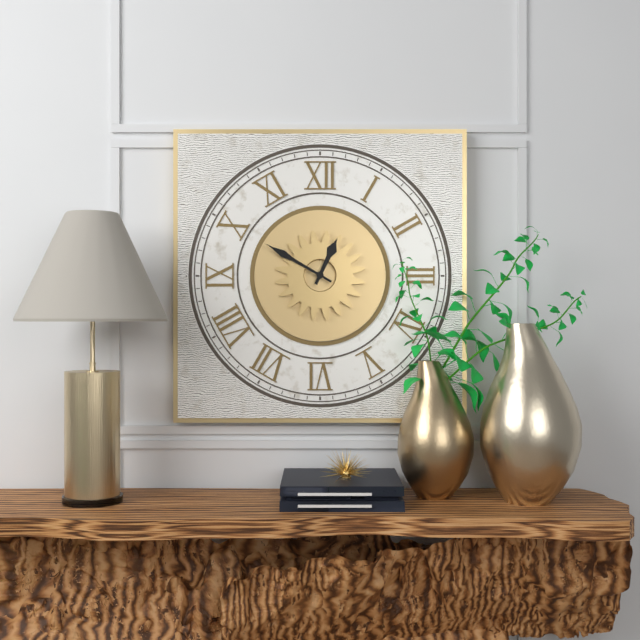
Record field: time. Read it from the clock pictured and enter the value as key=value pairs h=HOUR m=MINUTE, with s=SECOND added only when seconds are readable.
h=12 m=50
